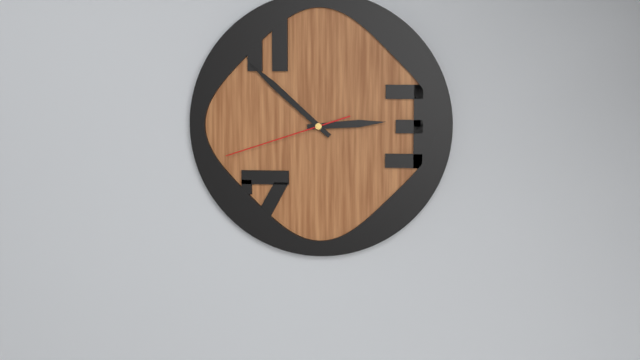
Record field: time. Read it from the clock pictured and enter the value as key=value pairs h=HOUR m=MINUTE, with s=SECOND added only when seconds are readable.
h=2 m=52 s=42
